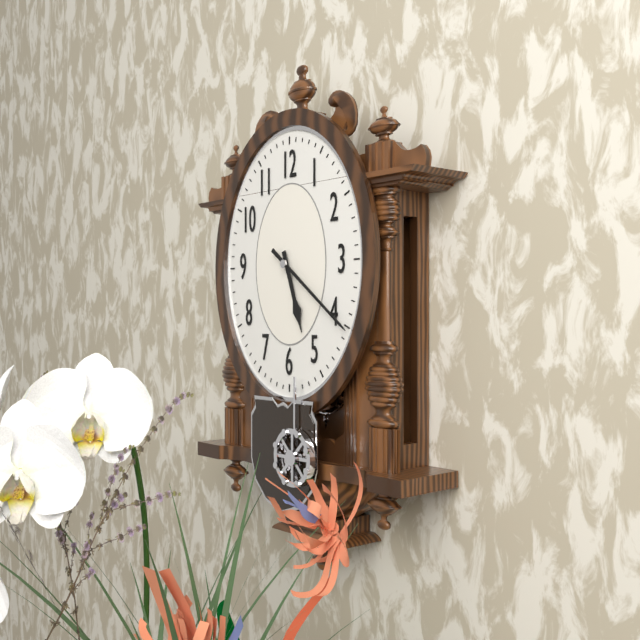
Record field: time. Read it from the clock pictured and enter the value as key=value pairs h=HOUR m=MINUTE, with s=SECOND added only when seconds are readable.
h=5 m=21
